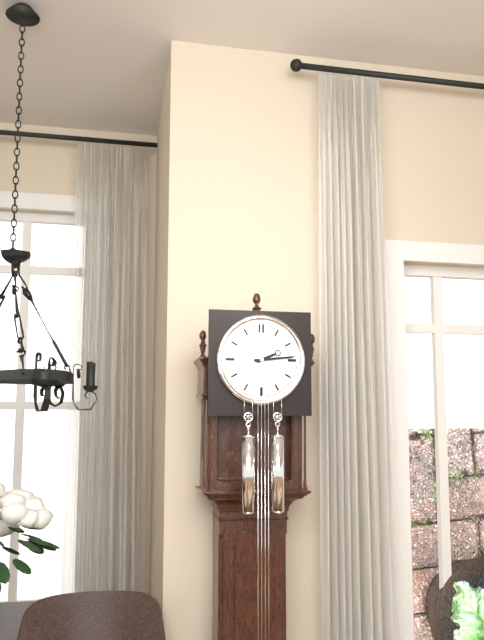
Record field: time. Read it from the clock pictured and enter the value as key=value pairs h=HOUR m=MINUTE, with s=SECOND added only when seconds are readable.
h=2 m=14
